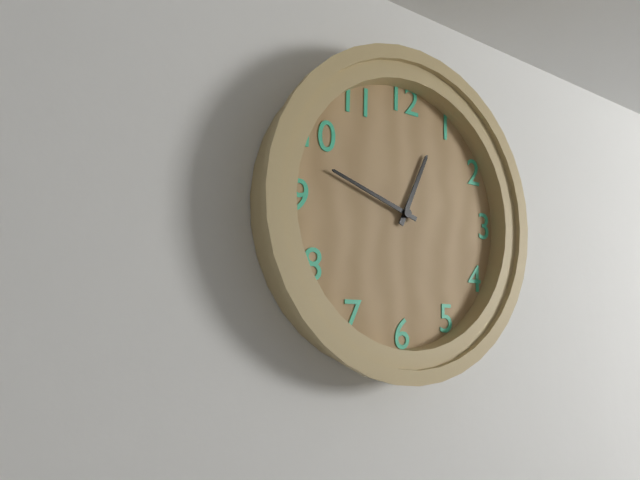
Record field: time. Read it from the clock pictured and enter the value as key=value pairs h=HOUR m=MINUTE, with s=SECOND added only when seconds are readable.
h=12 m=48
